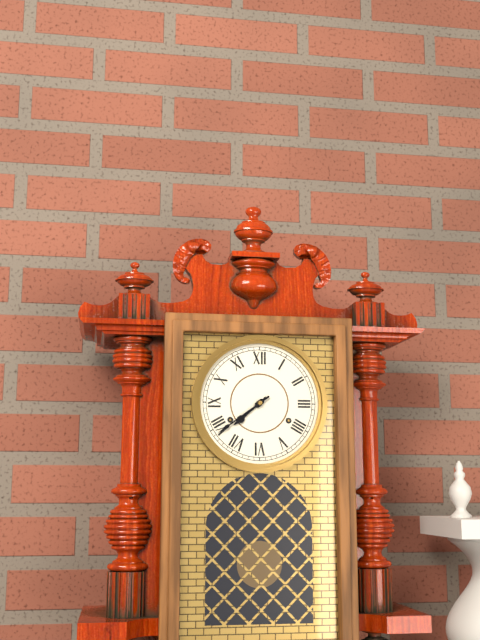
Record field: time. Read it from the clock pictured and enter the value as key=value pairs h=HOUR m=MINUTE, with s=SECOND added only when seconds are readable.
h=7 m=39
